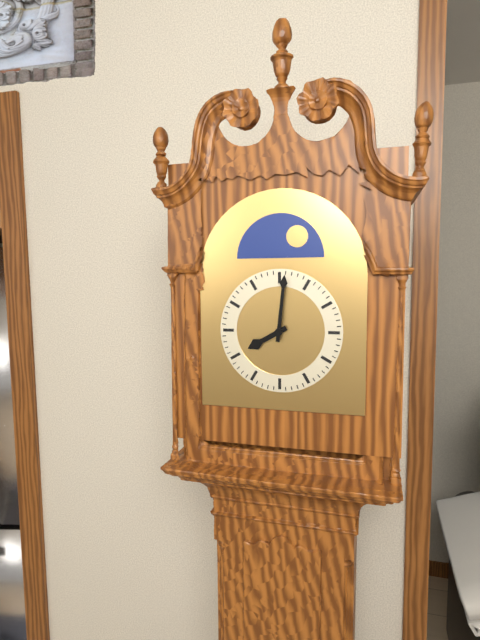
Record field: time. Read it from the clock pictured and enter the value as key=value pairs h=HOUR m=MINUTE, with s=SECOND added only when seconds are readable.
h=8 m=1
